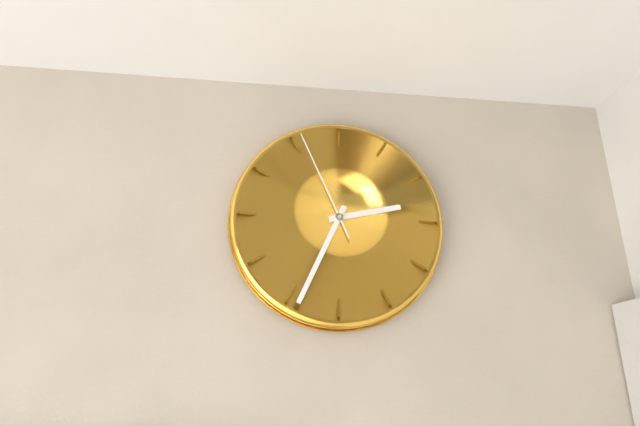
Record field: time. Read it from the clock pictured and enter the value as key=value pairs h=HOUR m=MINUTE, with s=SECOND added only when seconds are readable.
h=2 m=34 s=56
